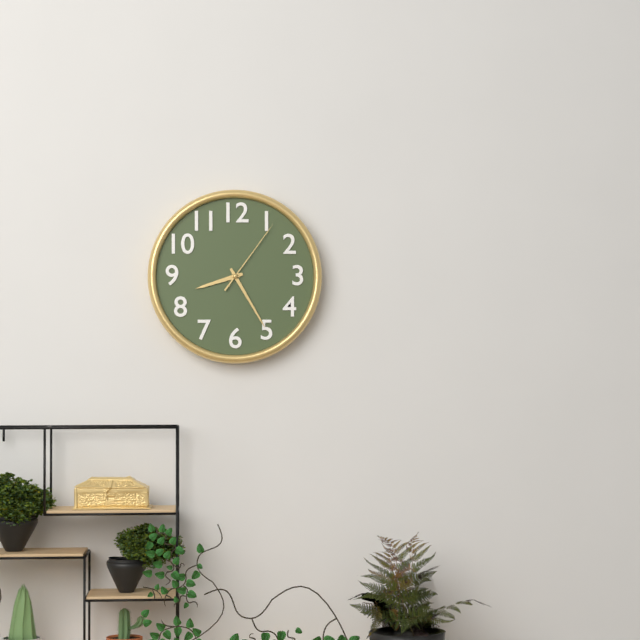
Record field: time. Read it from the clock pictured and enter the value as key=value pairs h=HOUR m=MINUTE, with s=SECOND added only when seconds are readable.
h=8 m=25 s=6
